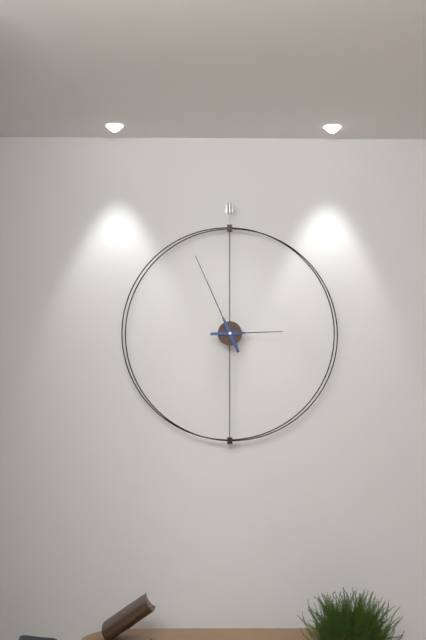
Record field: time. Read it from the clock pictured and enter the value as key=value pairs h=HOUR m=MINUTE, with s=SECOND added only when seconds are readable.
h=2 m=56
